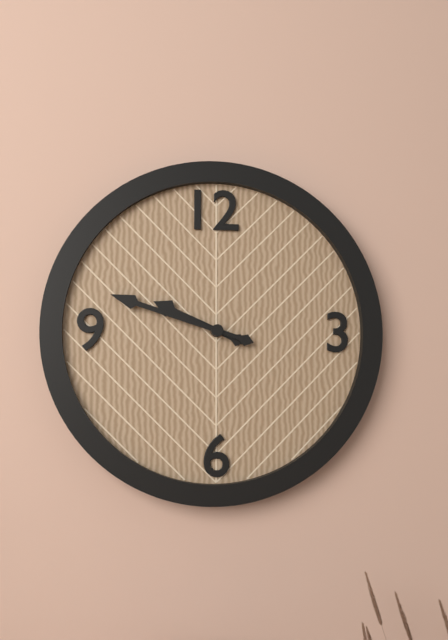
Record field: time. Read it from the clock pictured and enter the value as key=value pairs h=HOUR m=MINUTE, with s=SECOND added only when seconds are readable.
h=9 m=48
